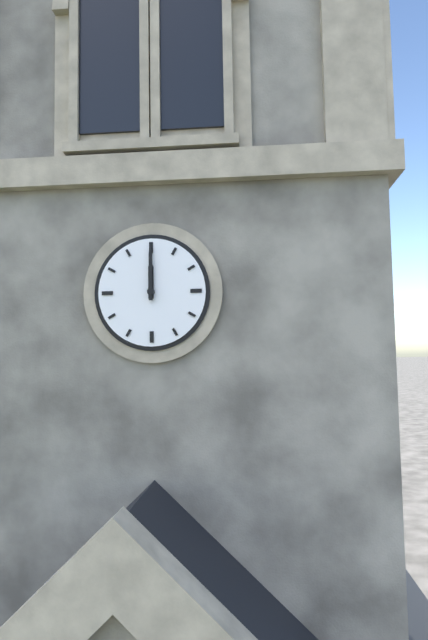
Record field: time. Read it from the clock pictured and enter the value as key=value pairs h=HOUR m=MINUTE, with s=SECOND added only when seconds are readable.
h=12 m=0
